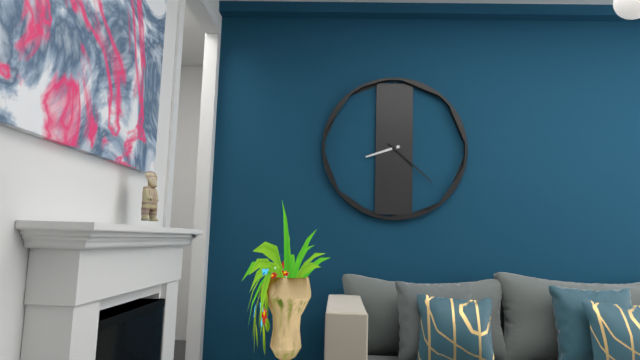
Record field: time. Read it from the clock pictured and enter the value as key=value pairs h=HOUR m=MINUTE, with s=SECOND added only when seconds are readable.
h=8 m=22
